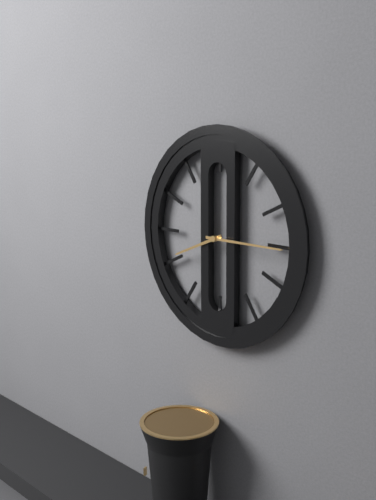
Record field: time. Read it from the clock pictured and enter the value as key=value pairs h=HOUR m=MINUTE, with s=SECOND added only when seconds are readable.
h=8 m=15
